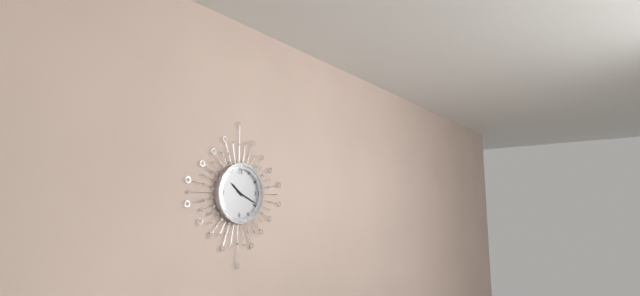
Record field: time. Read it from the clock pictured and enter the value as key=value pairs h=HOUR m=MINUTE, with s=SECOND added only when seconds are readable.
h=10 m=19
